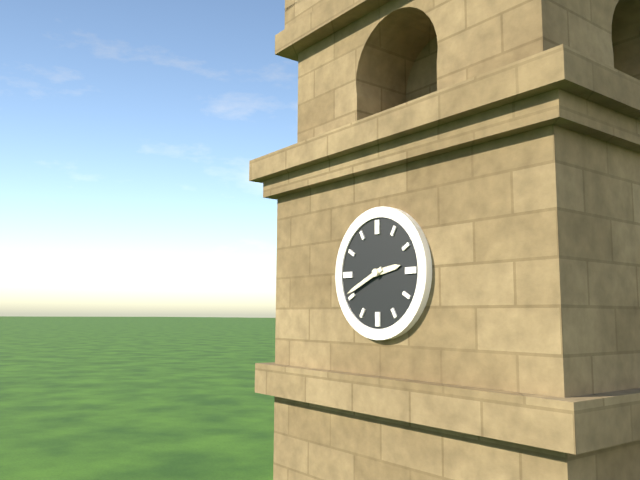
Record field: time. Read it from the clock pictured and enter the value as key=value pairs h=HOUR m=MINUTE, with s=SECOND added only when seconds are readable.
h=2 m=41
